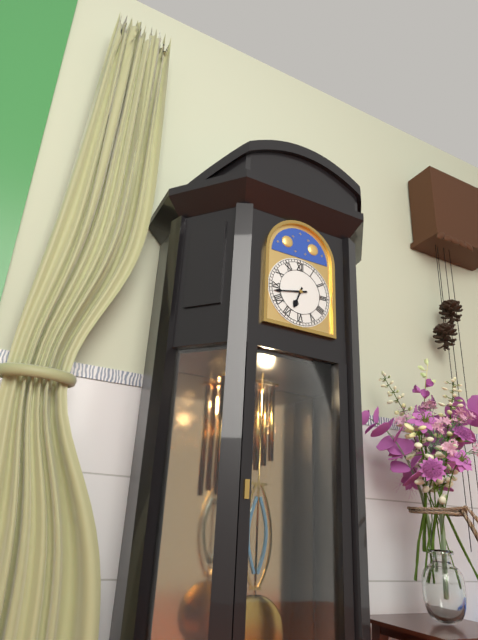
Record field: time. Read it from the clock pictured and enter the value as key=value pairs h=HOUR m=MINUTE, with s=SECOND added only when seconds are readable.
h=6 m=43
